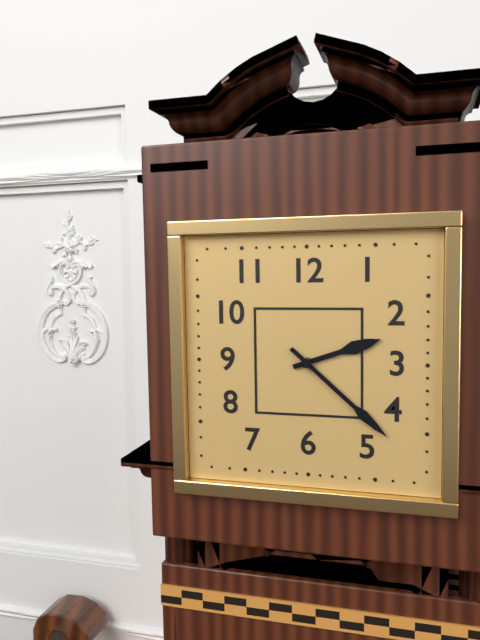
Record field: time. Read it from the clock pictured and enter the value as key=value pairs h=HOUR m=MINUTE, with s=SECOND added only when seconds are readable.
h=2 m=22
